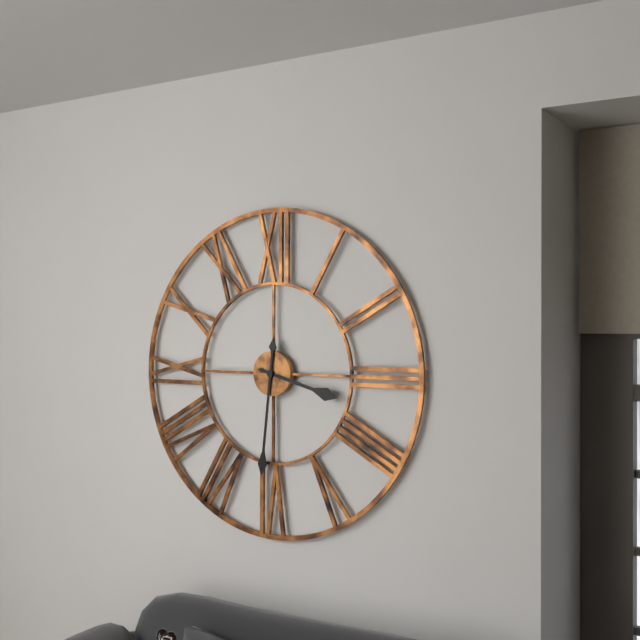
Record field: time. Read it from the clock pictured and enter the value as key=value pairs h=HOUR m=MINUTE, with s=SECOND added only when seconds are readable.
h=3 m=31
